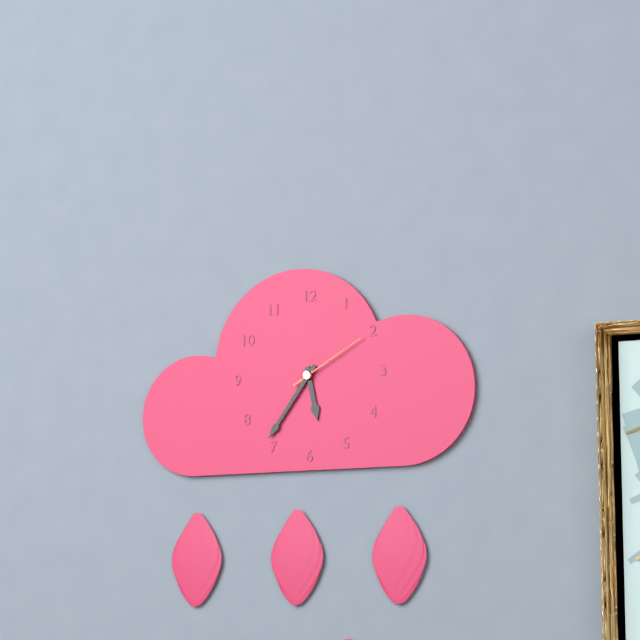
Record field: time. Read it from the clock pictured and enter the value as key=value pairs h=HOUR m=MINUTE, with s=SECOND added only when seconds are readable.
h=5 m=36 s=10
